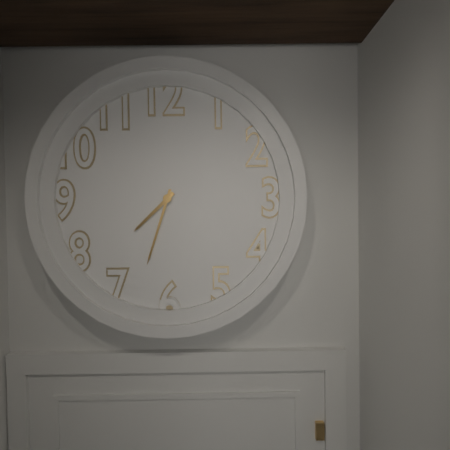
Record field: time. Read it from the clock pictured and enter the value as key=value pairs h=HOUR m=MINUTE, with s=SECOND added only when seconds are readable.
h=7 m=33
